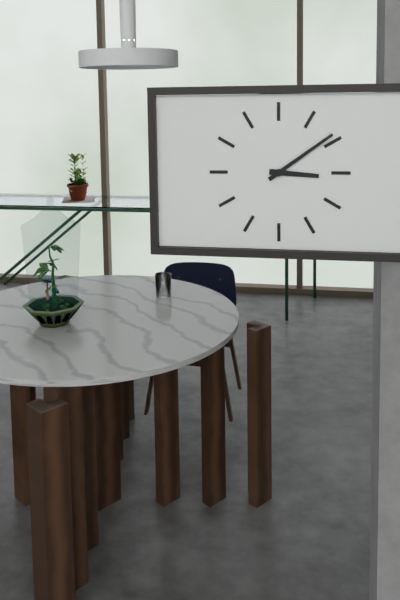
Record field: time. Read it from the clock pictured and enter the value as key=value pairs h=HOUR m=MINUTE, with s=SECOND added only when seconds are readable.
h=3 m=9
